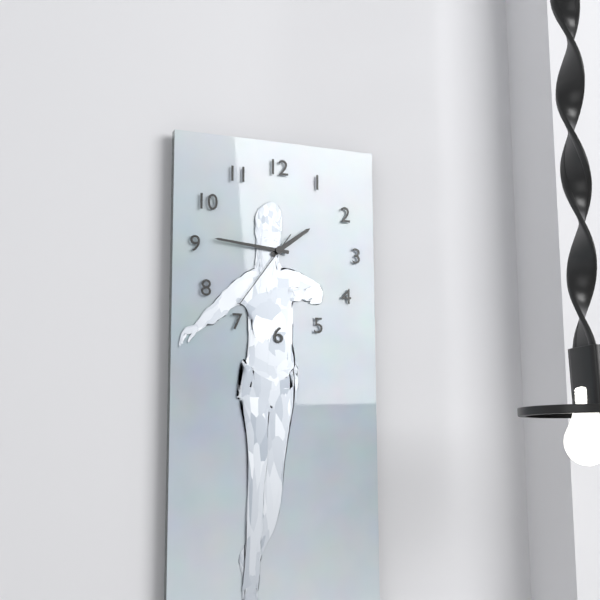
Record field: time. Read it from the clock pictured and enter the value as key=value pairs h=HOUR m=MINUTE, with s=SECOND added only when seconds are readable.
h=1 m=46 s=36
